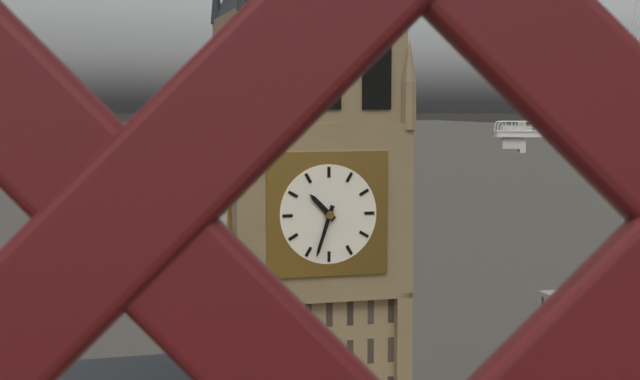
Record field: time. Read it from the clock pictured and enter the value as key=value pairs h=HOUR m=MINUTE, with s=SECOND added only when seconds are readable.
h=10 m=33
